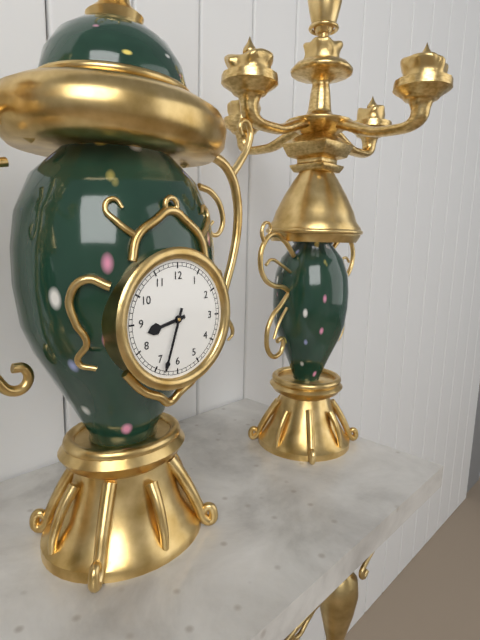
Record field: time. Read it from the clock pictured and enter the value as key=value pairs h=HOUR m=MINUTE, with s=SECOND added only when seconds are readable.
h=8 m=33
